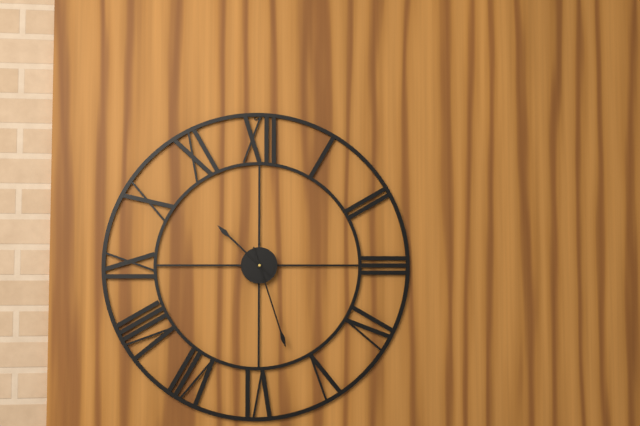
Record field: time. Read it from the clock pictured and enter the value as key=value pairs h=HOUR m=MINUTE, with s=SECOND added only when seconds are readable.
h=10 m=27
